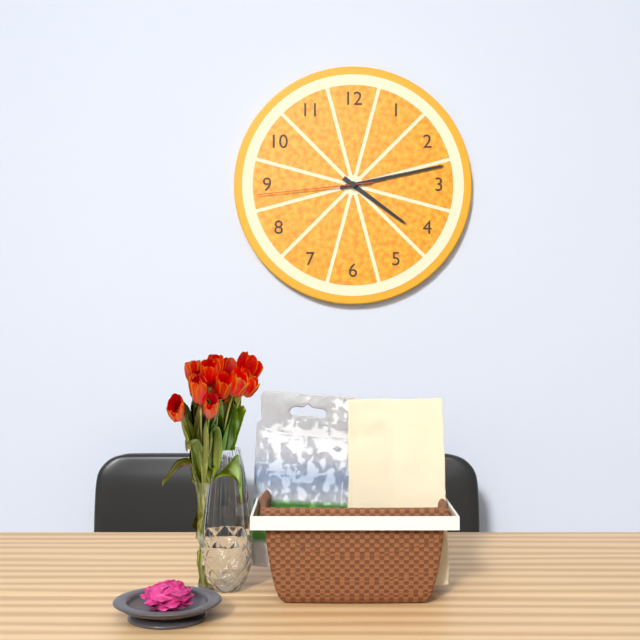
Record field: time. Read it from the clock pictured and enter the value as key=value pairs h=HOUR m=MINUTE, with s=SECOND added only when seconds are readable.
h=4 m=13 s=44
